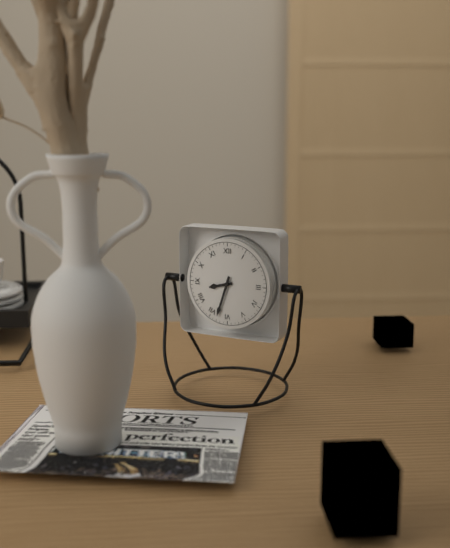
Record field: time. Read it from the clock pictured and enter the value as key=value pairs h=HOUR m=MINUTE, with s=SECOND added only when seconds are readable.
h=8 m=33
